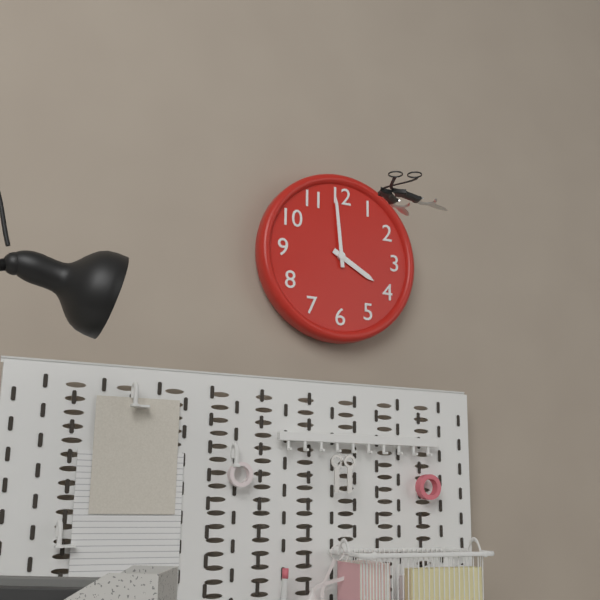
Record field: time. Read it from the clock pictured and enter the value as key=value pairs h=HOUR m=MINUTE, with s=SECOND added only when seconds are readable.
h=3 m=59
